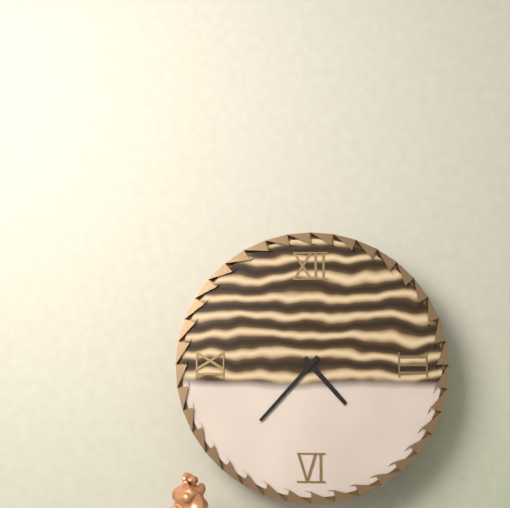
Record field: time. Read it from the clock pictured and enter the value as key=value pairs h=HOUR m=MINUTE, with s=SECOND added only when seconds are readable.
h=4 m=37
